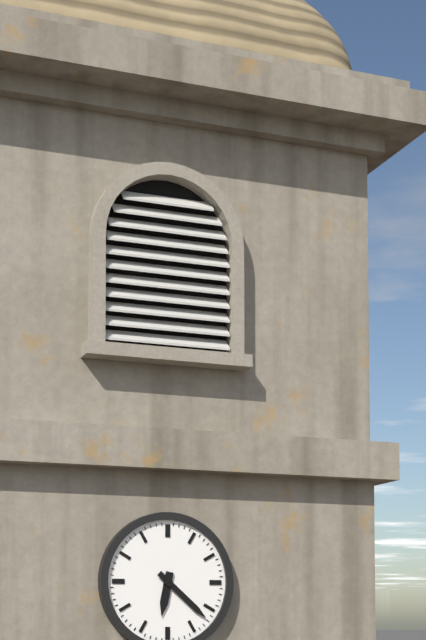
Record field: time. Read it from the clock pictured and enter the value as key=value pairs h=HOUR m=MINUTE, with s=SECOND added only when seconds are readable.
h=6 m=22
